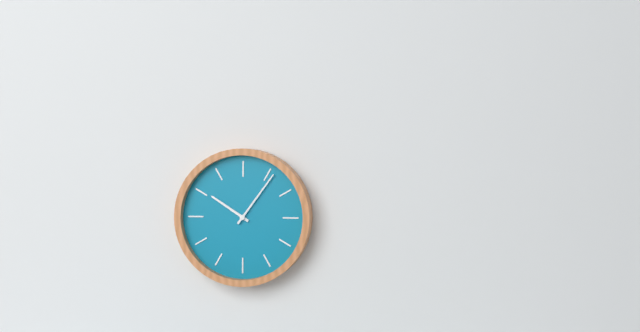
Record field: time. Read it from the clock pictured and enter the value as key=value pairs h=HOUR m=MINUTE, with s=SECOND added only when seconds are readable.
h=10 m=6
